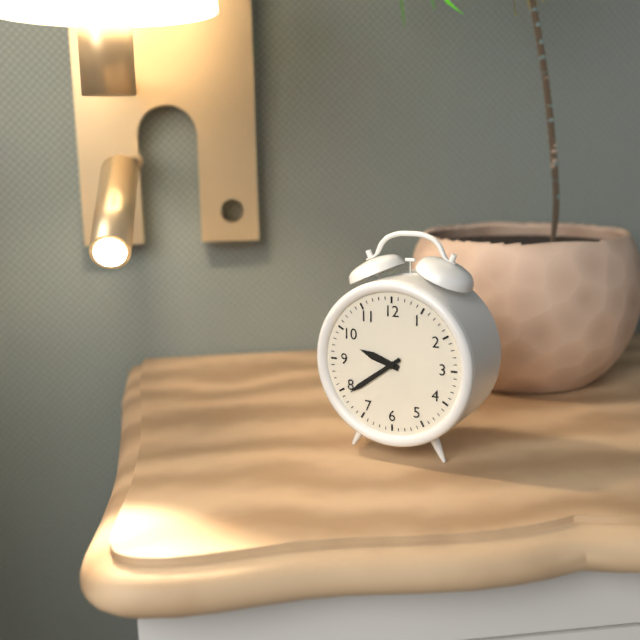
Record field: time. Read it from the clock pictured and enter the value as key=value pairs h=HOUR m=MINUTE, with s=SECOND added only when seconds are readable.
h=9 m=39
